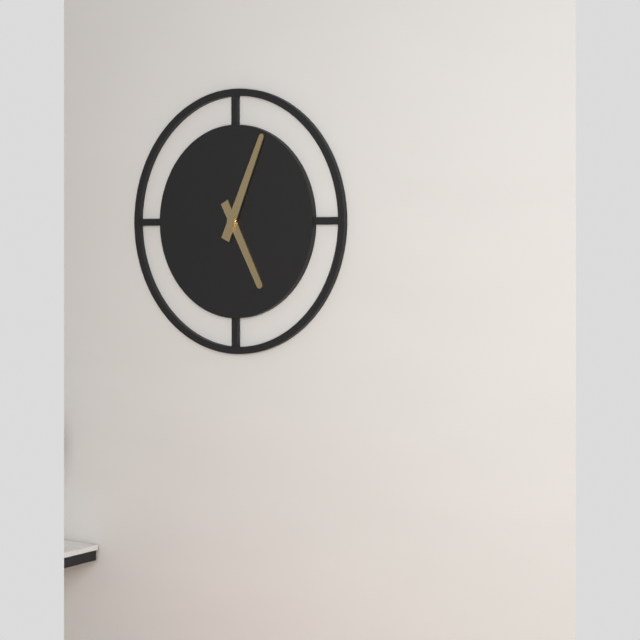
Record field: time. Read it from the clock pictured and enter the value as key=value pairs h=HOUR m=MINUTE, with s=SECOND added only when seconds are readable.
h=5 m=4
